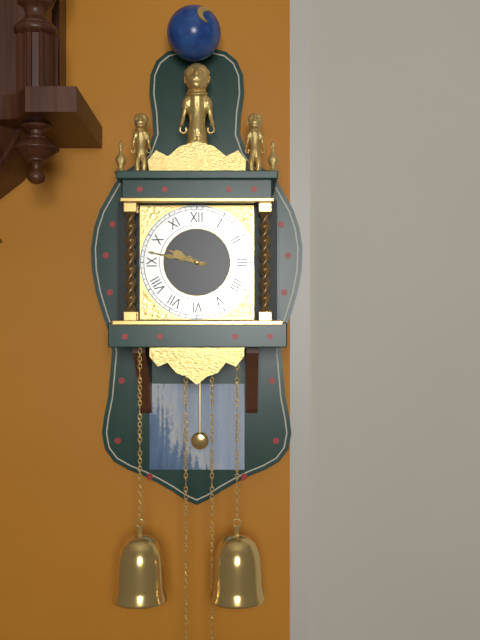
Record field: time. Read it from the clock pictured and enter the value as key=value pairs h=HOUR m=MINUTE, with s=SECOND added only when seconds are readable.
h=9 m=47
